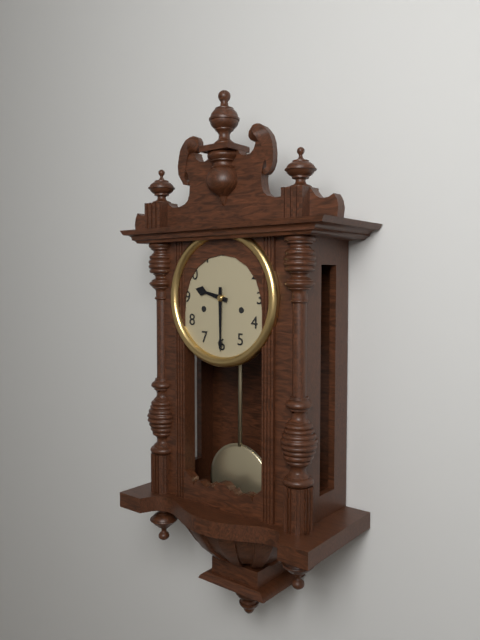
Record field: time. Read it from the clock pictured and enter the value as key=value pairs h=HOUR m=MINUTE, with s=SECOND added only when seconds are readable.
h=9 m=30
